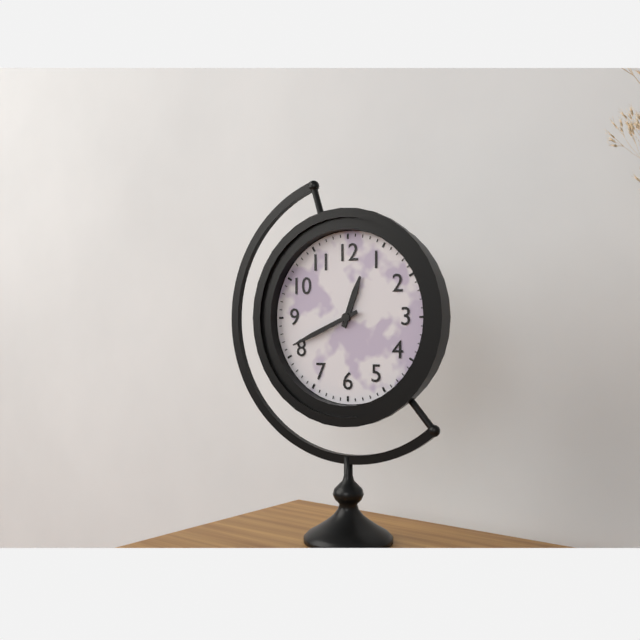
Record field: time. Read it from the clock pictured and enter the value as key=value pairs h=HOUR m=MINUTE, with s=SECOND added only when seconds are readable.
h=12 m=41
